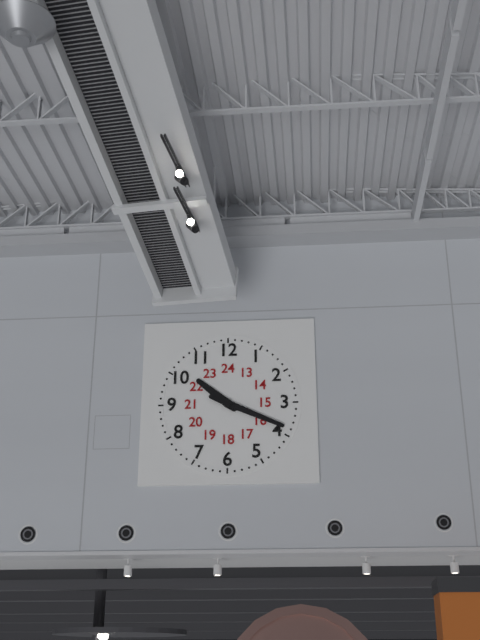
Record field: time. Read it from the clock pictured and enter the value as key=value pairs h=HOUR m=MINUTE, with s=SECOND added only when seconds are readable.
h=10 m=19
